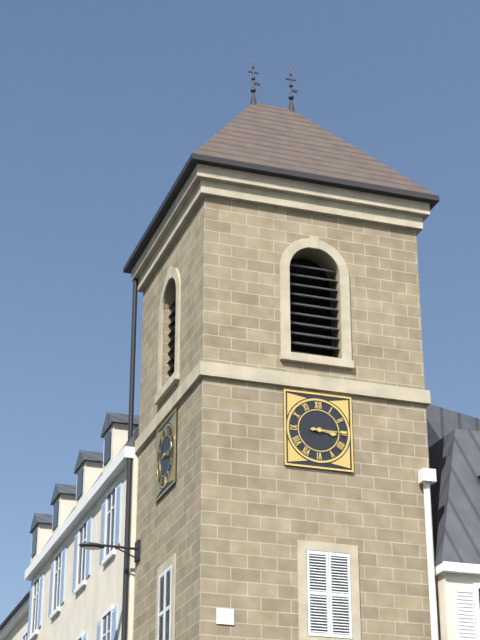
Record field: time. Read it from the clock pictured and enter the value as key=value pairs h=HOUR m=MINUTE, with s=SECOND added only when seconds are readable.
h=3 m=15
